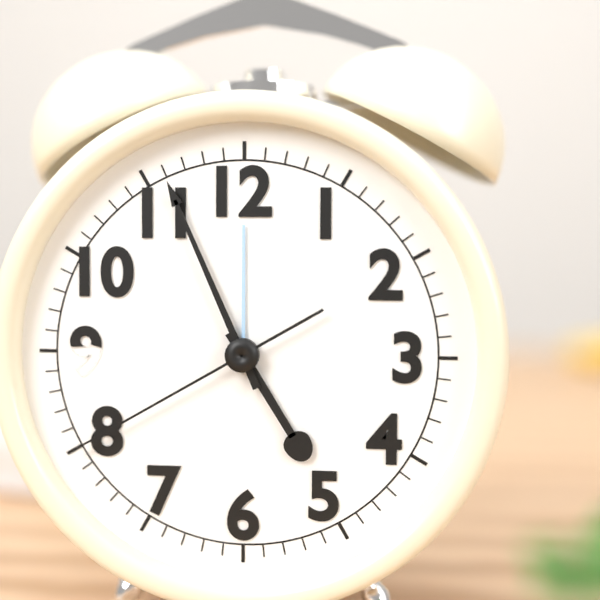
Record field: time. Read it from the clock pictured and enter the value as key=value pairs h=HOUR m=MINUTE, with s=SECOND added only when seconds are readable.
h=4 m=56 s=40
